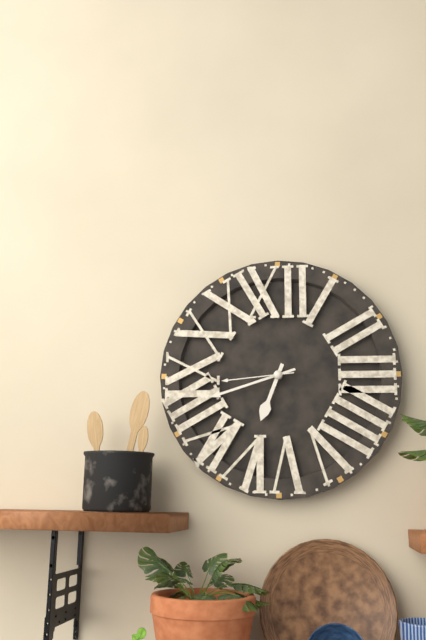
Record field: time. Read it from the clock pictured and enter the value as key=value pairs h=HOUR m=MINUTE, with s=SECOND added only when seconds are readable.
h=6 m=42 s=44
